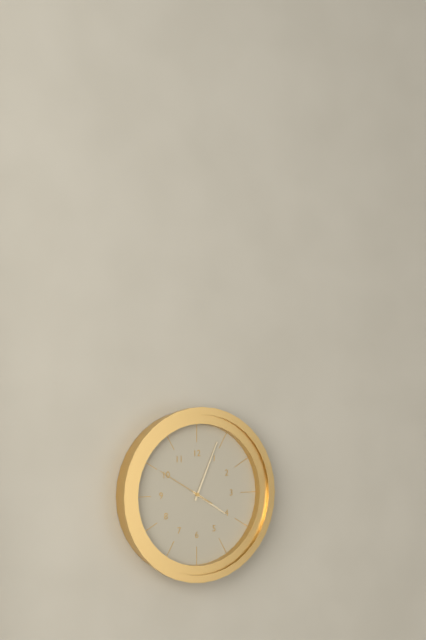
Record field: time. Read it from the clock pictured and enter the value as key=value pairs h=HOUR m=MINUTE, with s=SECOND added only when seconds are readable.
h=4 m=4 s=50
